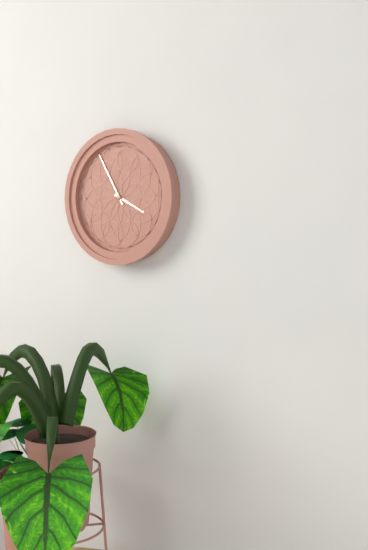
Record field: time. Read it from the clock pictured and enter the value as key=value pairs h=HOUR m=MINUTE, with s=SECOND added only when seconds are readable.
h=3 m=55
